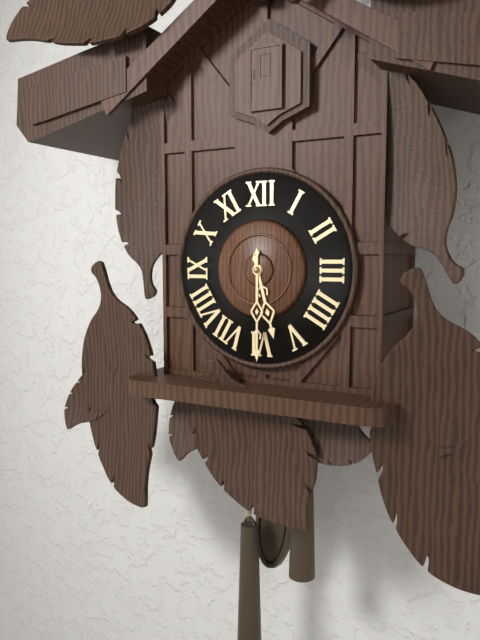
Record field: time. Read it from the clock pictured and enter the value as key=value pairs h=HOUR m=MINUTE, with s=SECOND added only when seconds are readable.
h=5 m=30
